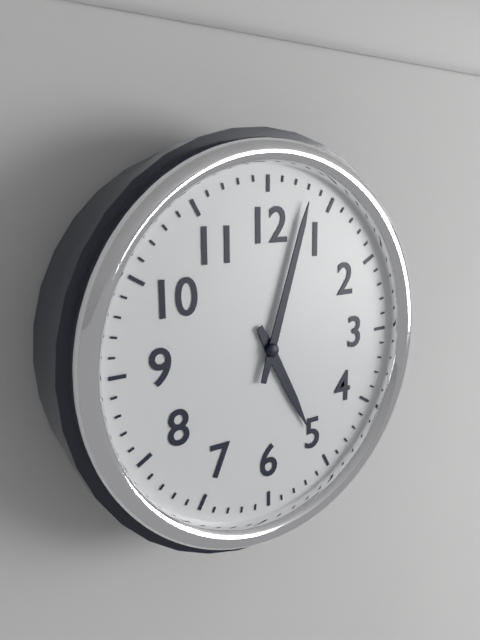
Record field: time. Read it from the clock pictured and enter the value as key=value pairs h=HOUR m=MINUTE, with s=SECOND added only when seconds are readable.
h=5 m=3
